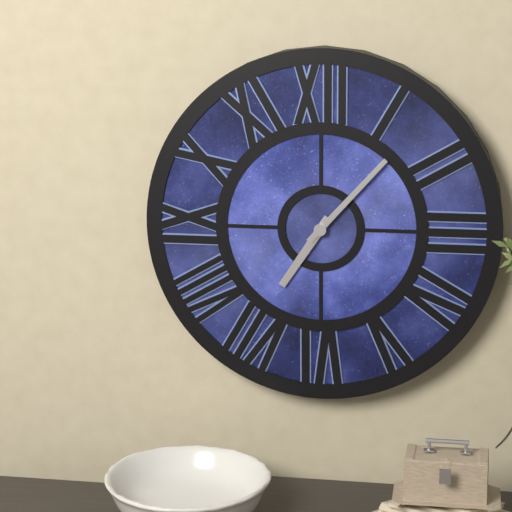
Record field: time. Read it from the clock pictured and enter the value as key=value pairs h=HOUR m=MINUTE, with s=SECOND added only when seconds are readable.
h=7 m=7
